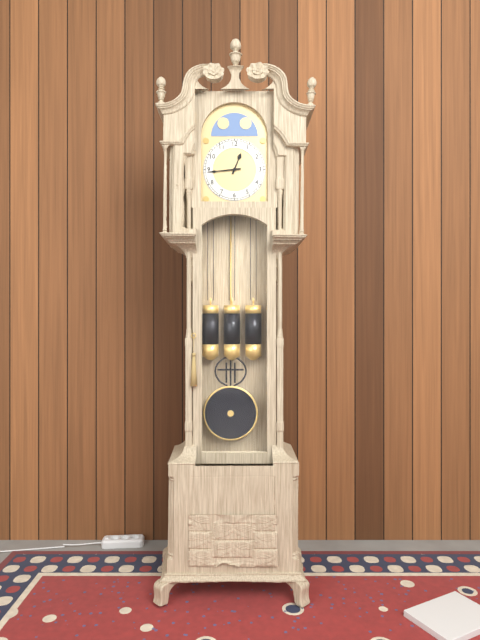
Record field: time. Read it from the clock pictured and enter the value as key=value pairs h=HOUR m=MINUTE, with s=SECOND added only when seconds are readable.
h=12 m=44
